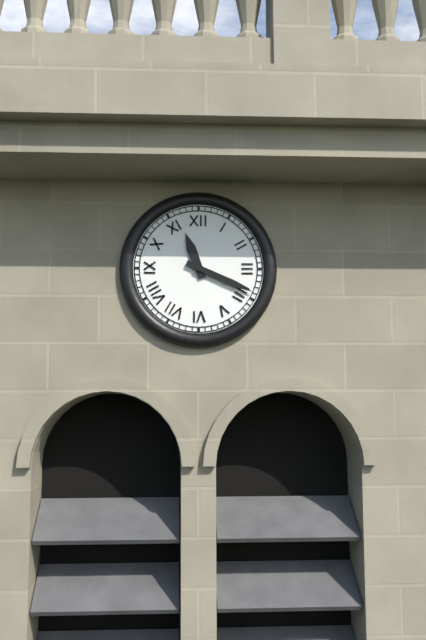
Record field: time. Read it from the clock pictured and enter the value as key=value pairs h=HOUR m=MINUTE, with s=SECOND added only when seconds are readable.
h=11 m=19
